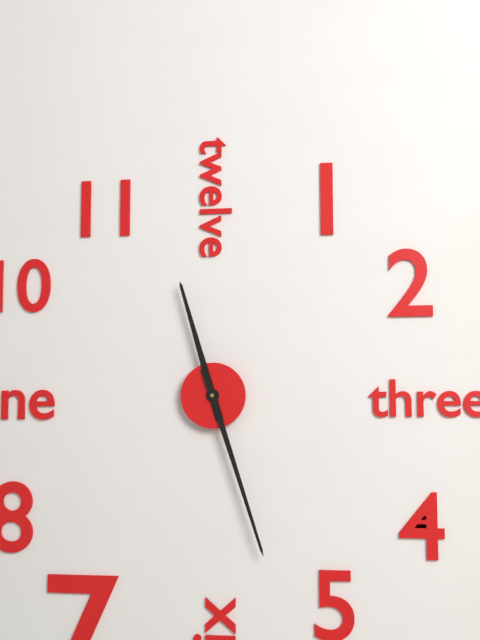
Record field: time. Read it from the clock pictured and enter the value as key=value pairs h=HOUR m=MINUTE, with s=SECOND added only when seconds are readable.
h=11 m=27
